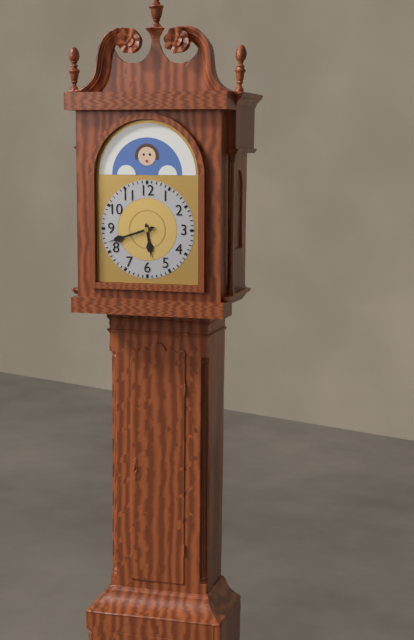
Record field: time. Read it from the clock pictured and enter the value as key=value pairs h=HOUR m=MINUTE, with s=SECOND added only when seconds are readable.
h=5 m=42
